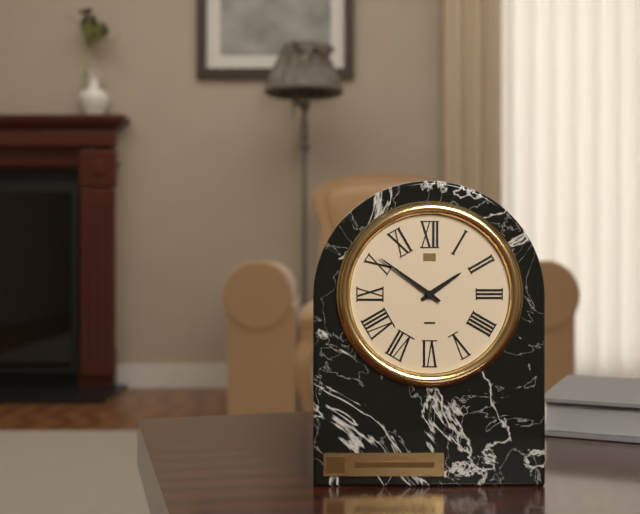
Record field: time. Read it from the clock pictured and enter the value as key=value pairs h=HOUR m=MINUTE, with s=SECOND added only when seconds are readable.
h=1 m=51
